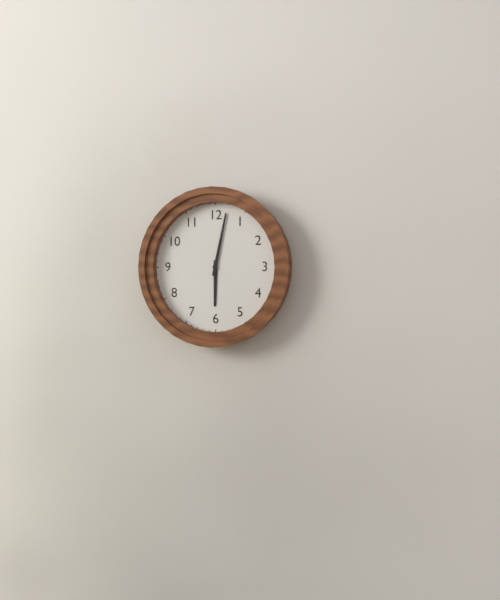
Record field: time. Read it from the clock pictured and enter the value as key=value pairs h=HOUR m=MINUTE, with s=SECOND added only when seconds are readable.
h=6 m=2
